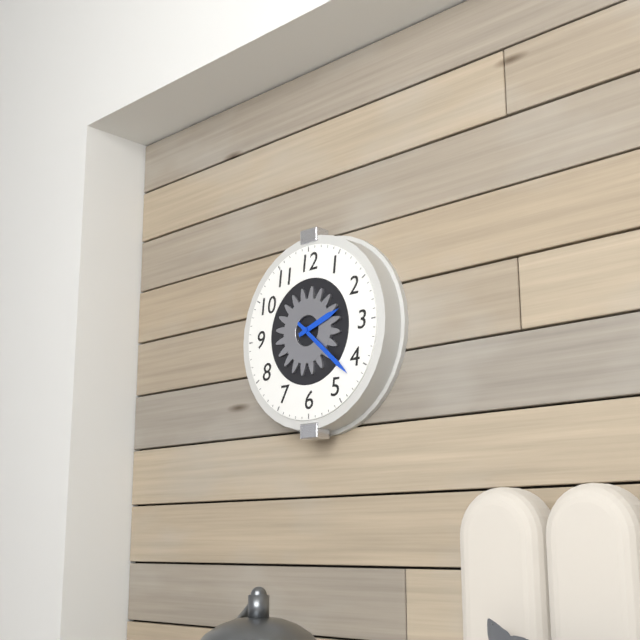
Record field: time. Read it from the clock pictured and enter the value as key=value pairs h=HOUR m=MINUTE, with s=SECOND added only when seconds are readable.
h=2 m=22
